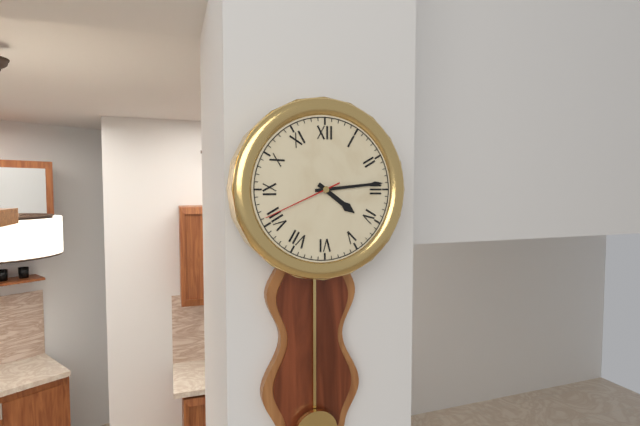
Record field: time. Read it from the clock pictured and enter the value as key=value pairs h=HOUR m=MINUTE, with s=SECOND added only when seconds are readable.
h=4 m=14 s=41
